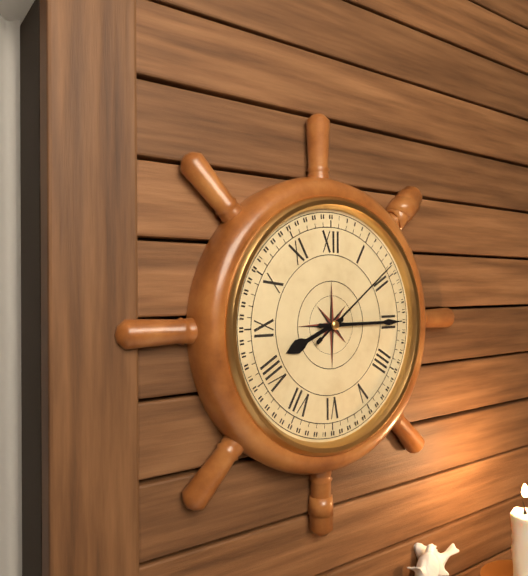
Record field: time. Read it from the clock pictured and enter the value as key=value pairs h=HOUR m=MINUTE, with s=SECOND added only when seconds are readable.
h=8 m=15 s=9
